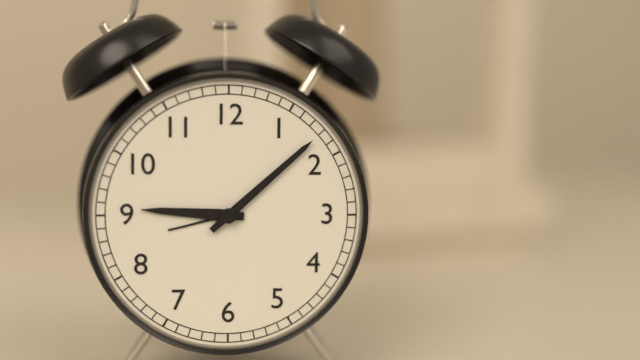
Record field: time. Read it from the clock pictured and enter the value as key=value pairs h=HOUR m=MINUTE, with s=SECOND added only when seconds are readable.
h=9 m=8
